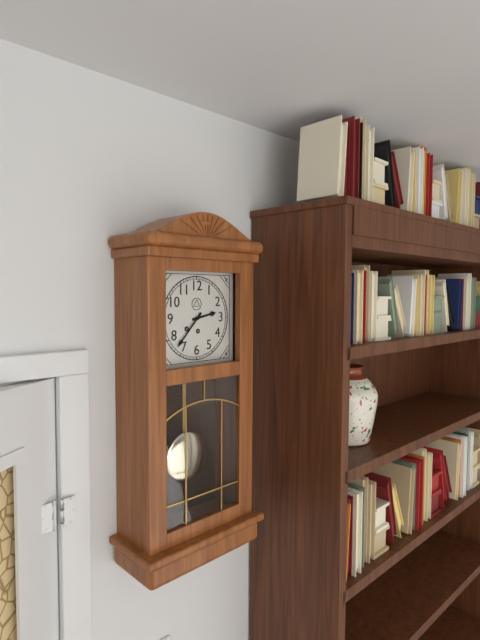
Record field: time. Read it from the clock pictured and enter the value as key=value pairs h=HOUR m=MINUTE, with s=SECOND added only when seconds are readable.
h=2 m=37
